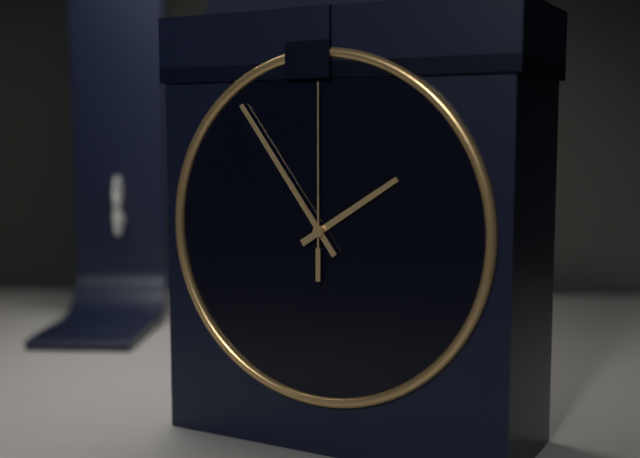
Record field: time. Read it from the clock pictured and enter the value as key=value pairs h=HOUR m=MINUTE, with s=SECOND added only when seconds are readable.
h=1 m=54 s=0
